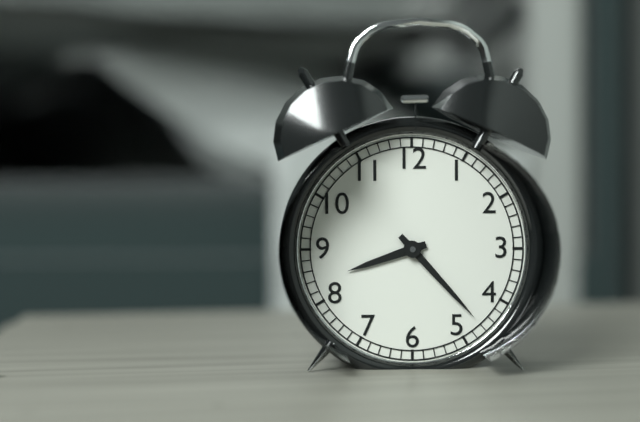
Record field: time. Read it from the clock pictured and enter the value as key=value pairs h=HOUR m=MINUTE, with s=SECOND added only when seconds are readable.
h=8 m=23
